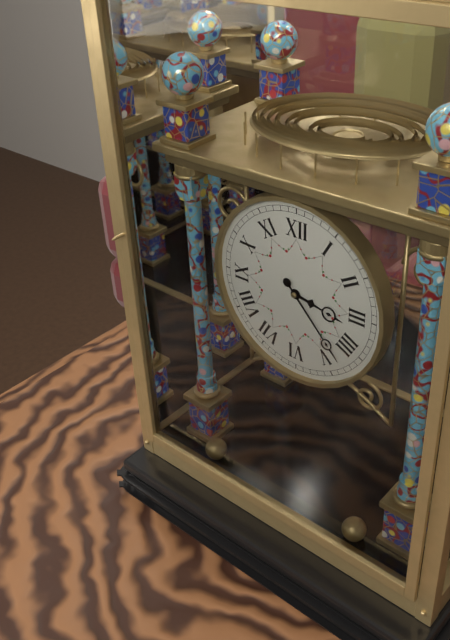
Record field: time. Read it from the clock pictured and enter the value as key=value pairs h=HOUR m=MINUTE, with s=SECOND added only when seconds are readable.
h=3 m=23
